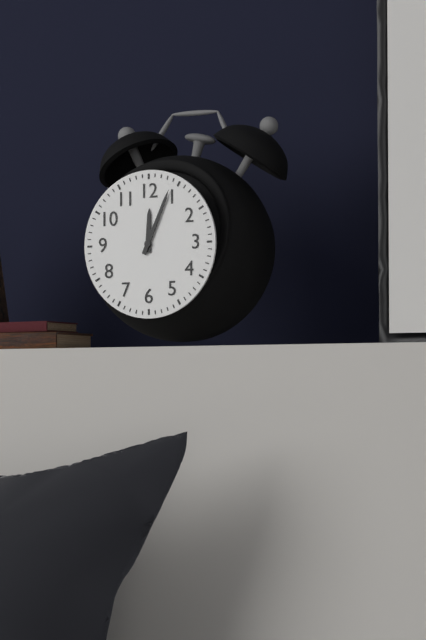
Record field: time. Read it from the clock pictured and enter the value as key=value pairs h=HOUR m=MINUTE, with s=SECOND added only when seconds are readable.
h=12 m=4
